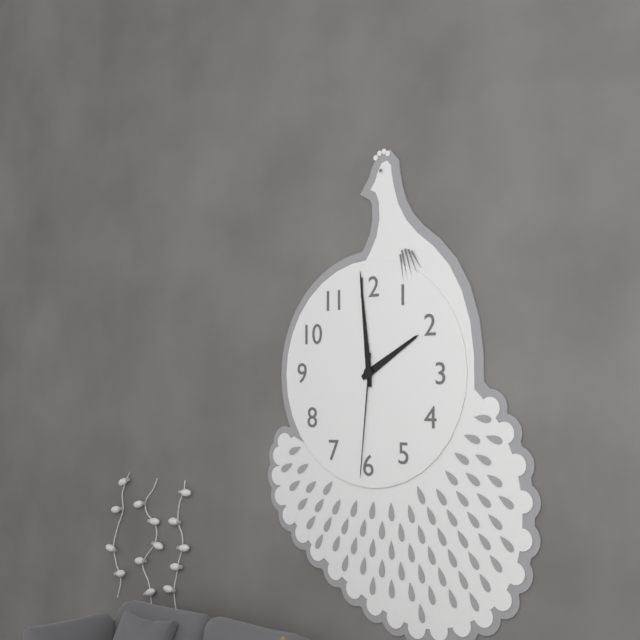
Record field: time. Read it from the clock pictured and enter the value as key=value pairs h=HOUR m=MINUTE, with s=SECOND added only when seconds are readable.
h=1 m=59 s=31
